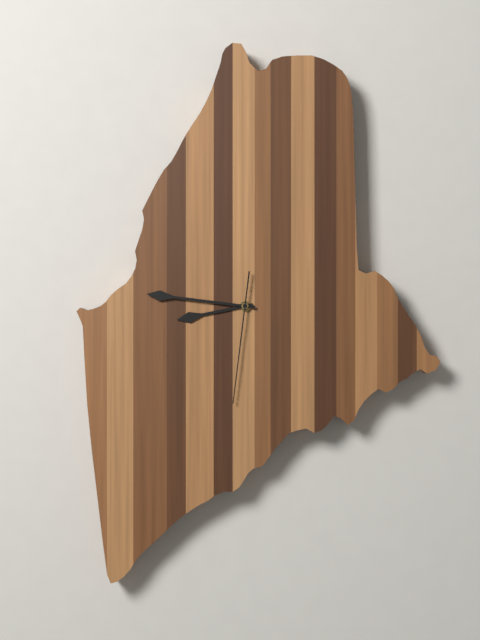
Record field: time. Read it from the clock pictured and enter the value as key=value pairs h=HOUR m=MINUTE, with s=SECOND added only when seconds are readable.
h=8 m=47 s=32
